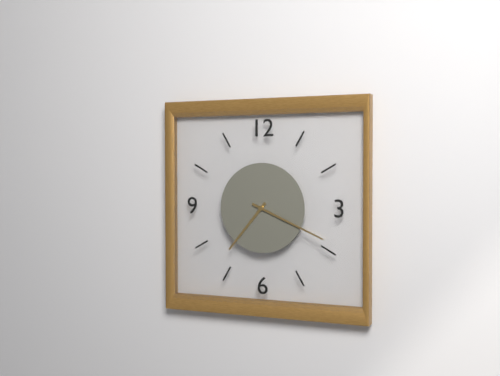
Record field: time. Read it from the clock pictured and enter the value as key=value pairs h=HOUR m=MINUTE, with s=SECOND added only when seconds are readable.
h=7 m=19
